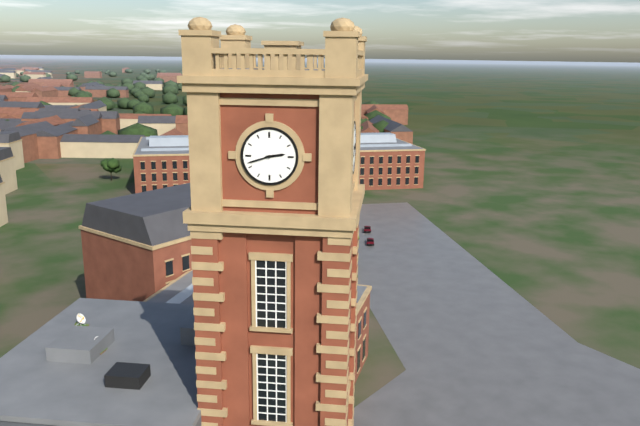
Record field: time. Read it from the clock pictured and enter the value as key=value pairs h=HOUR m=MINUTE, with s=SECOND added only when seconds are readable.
h=2 m=42
